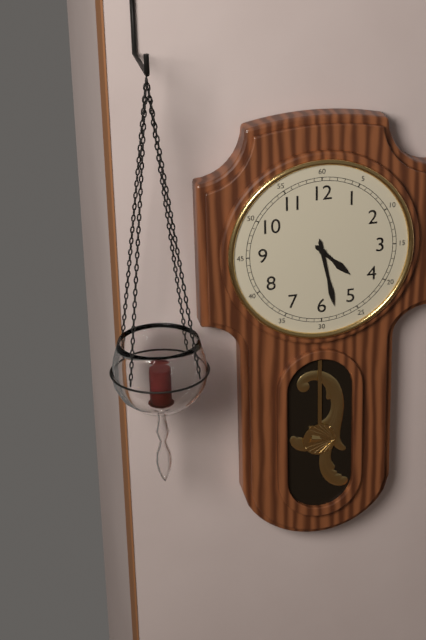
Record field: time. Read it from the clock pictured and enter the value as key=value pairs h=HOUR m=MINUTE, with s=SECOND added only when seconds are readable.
h=4 m=28
